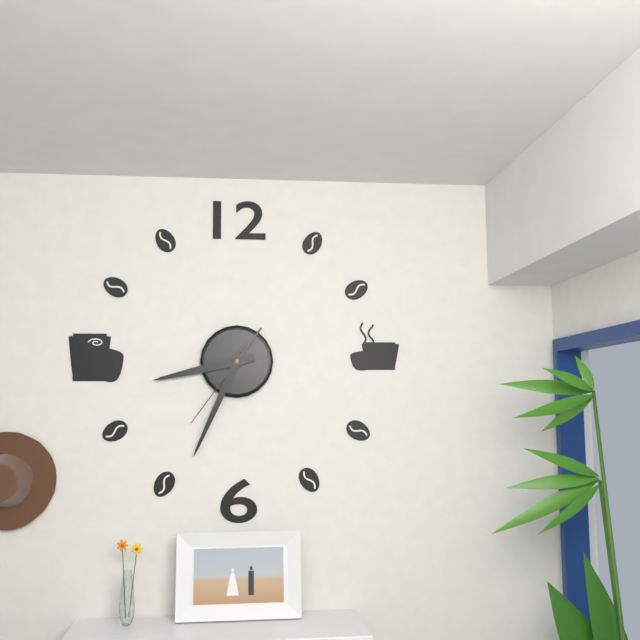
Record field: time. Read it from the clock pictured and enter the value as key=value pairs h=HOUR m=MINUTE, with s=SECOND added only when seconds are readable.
h=8 m=34 s=36
